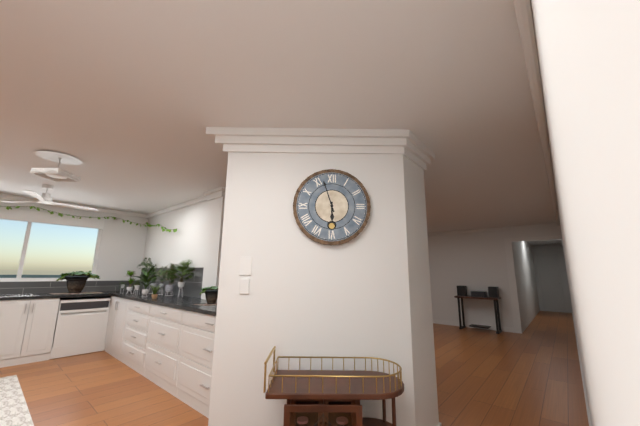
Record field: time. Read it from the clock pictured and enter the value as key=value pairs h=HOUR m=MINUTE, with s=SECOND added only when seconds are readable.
h=5 m=57
